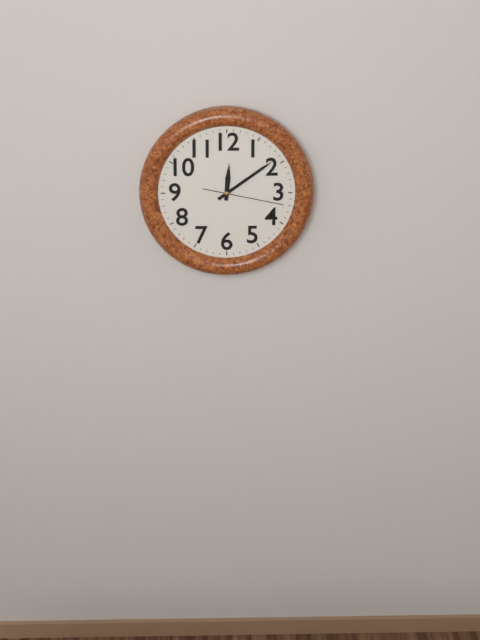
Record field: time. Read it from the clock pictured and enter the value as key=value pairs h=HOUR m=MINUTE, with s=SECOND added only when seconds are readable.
h=12 m=9 s=17
